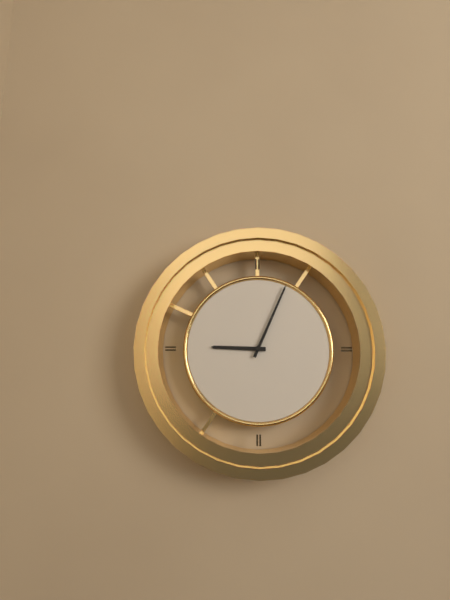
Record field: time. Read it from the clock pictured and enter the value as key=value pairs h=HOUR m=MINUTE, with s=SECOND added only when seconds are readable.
h=9 m=4
